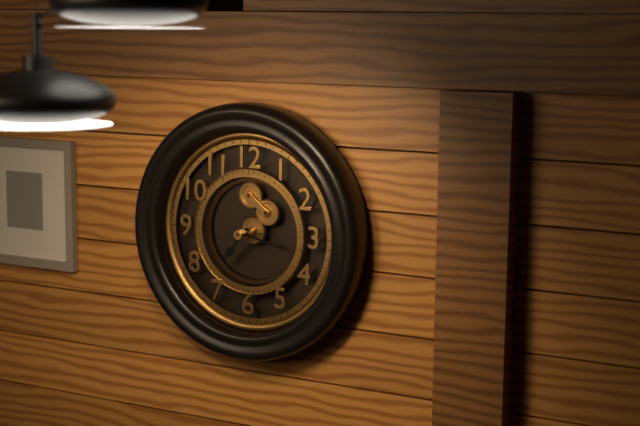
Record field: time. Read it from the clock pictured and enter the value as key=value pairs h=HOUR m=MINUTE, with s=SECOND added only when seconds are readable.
h=7 m=17 s=14
